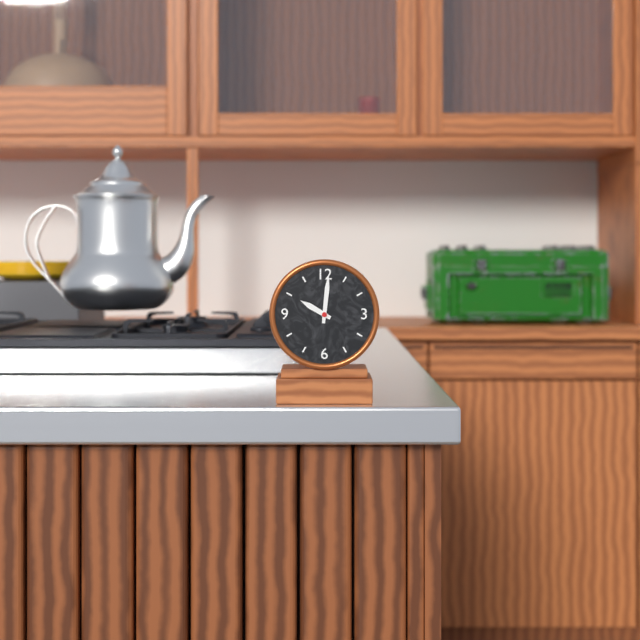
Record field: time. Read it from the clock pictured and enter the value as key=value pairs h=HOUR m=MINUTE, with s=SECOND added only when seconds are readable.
h=10 m=1
